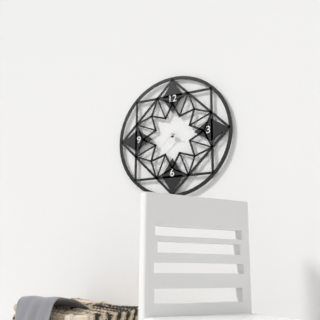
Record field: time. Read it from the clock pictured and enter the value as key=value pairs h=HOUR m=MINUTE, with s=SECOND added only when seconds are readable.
h=3 m=38
